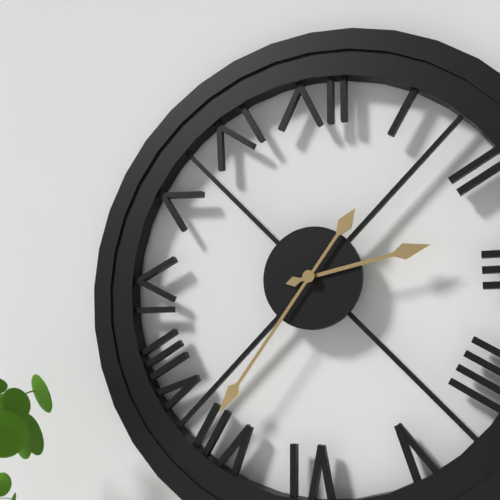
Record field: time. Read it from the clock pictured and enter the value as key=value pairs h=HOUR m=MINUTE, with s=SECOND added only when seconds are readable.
h=2 m=36
